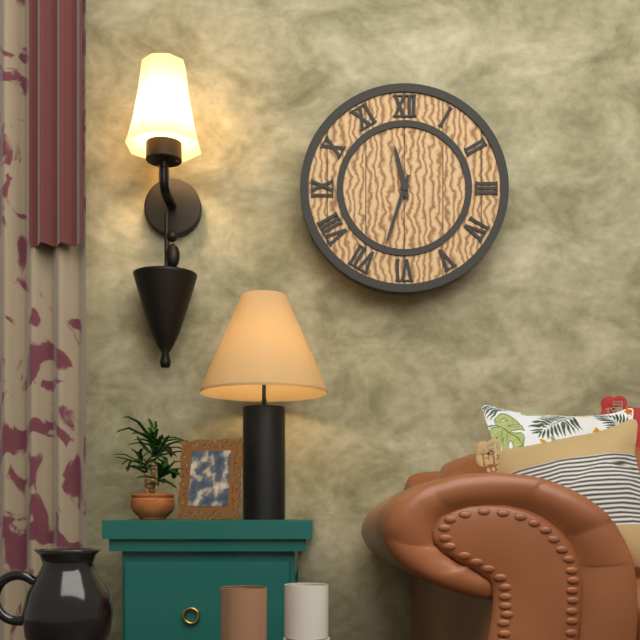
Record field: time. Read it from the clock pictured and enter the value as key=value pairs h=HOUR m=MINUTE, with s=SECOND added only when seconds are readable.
h=11 m=33
